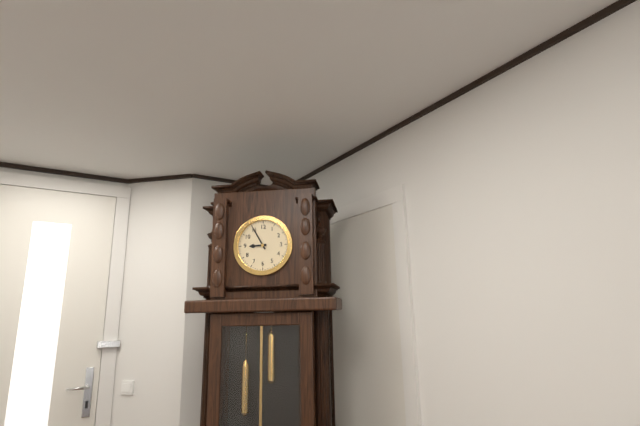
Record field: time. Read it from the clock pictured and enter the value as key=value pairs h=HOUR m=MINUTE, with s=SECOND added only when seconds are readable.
h=8 m=55
